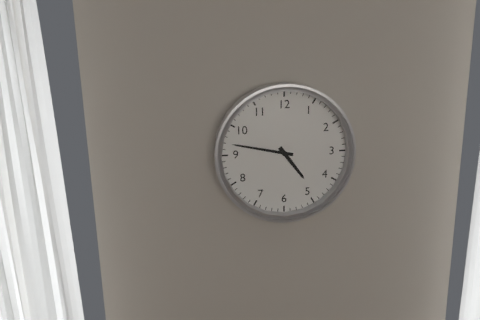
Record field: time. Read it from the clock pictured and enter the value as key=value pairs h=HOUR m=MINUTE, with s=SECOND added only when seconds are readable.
h=4 m=47
